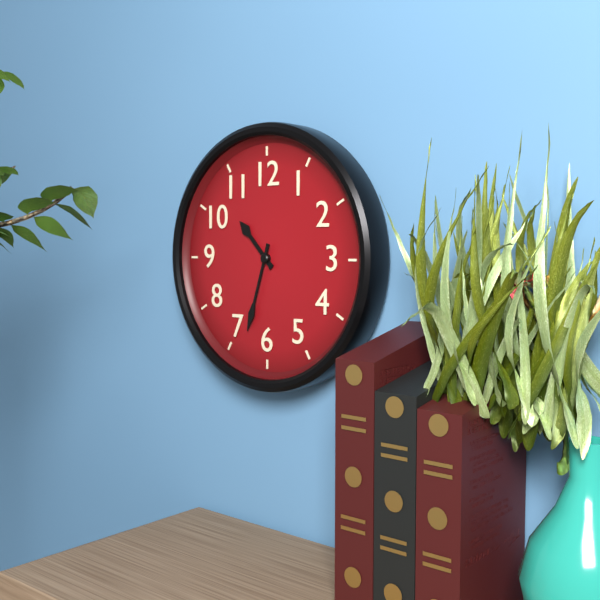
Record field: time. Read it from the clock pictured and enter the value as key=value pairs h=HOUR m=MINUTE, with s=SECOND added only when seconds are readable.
h=10 m=33
